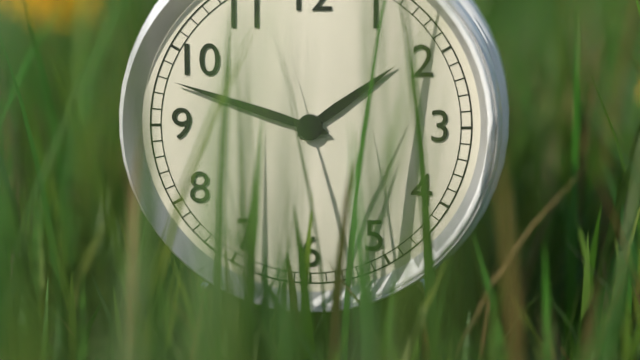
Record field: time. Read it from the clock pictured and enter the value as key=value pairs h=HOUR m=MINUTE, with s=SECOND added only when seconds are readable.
h=1 m=48
